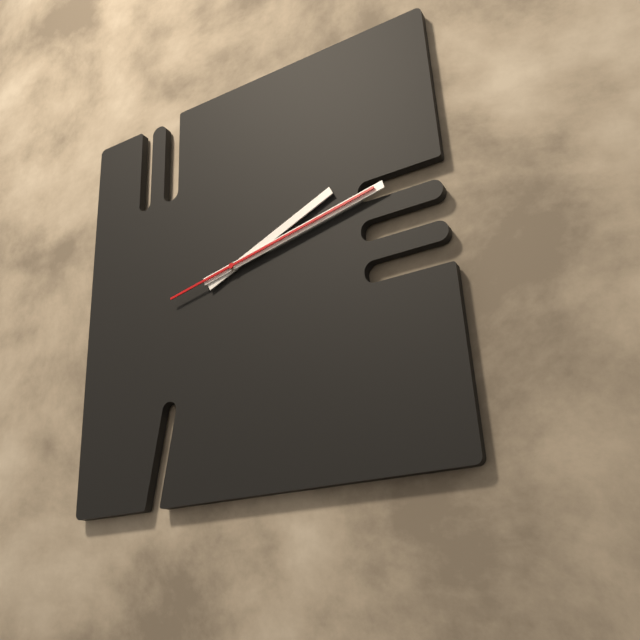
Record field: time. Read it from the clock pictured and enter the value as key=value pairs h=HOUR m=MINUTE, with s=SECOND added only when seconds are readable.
h=2 m=13 s=13
